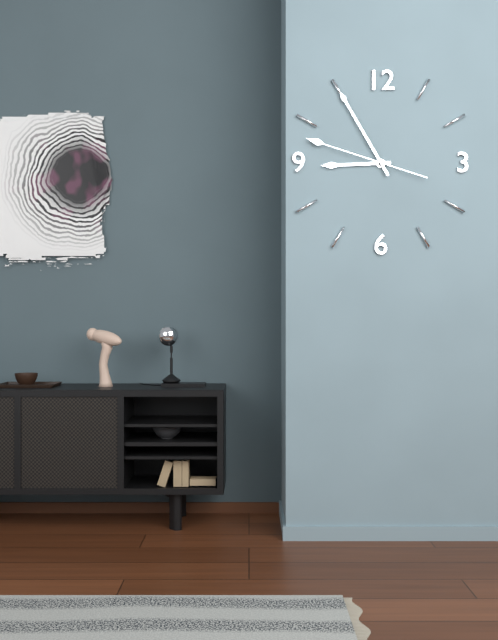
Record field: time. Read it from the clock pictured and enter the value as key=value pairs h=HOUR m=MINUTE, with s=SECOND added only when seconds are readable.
h=8 m=55 s=48
